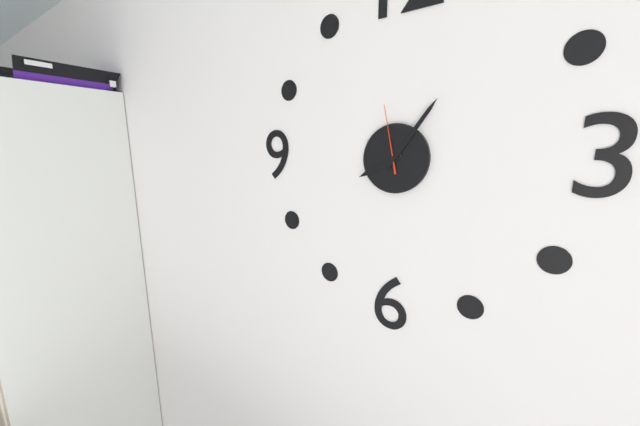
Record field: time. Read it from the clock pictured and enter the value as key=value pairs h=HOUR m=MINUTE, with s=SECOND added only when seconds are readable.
h=8 m=6 s=58
